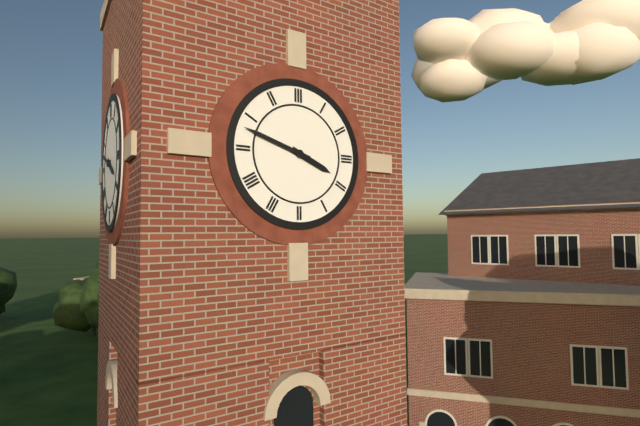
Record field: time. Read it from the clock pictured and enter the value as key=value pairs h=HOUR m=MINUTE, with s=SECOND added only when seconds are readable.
h=3 m=48
